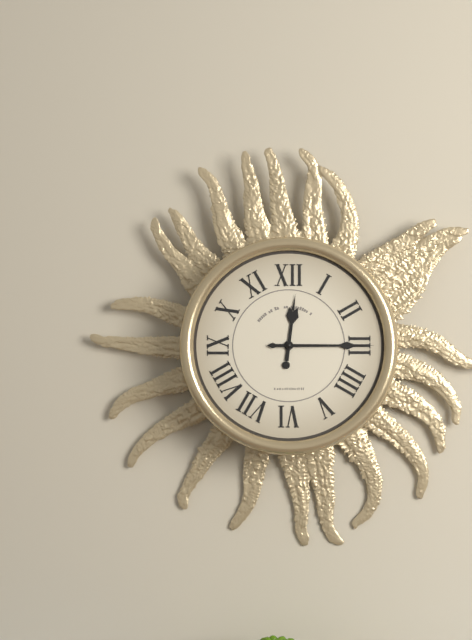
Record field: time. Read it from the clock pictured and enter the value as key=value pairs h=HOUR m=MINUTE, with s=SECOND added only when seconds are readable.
h=12 m=15
